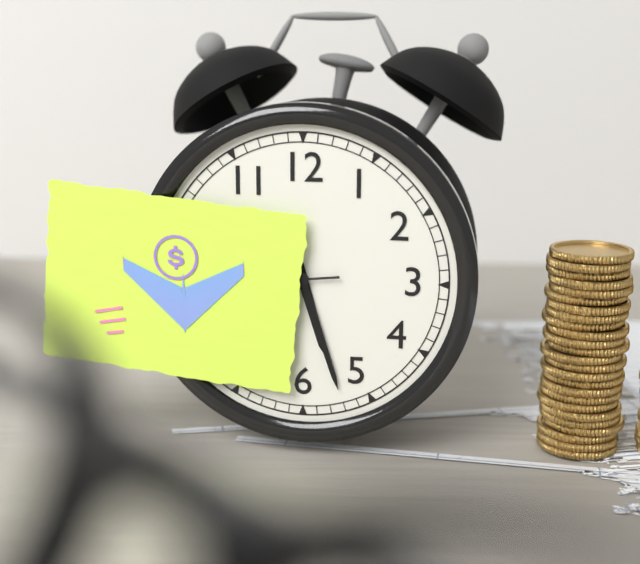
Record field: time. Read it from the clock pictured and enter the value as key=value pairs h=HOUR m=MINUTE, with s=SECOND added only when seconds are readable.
h=5 m=27
